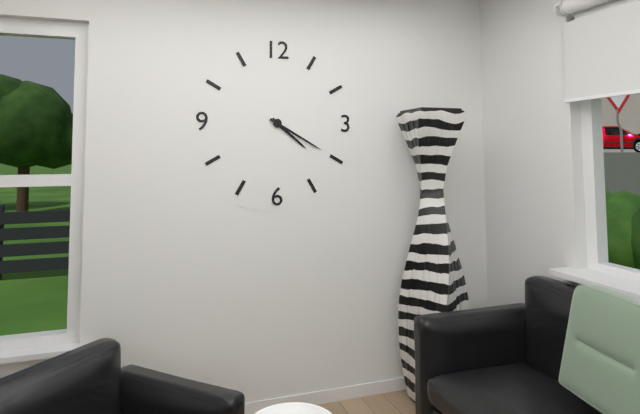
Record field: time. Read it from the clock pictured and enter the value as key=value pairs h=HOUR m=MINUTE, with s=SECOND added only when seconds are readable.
h=4 m=20
